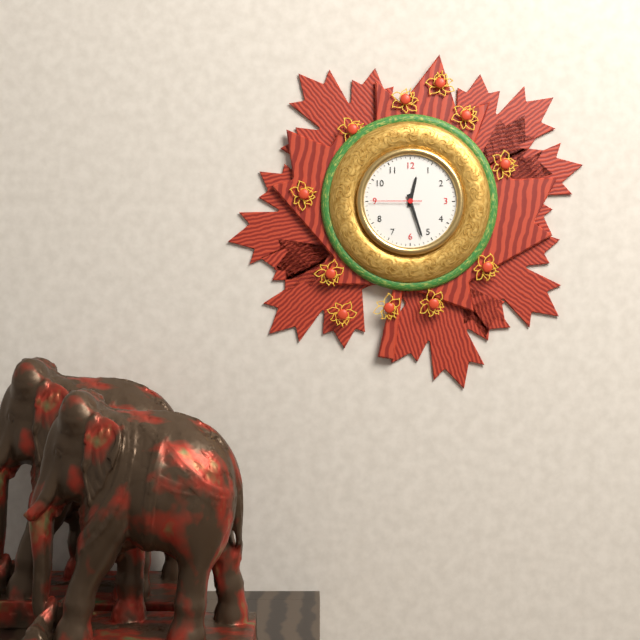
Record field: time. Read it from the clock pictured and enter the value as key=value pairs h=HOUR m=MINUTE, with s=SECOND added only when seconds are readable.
h=12 m=27 s=45
